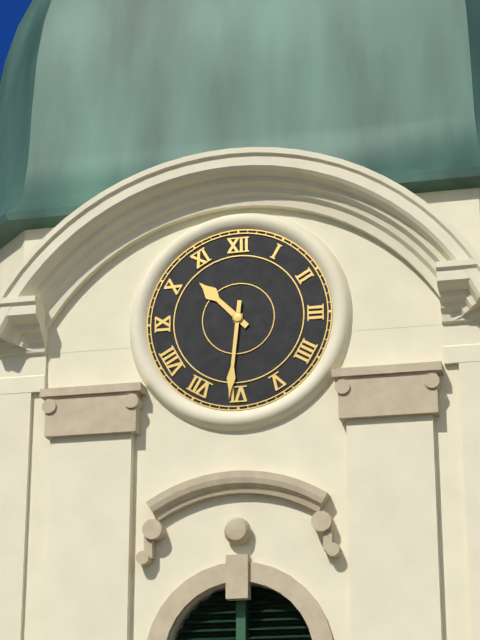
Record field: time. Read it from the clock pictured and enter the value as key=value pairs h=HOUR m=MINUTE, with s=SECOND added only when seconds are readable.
h=10 m=31
